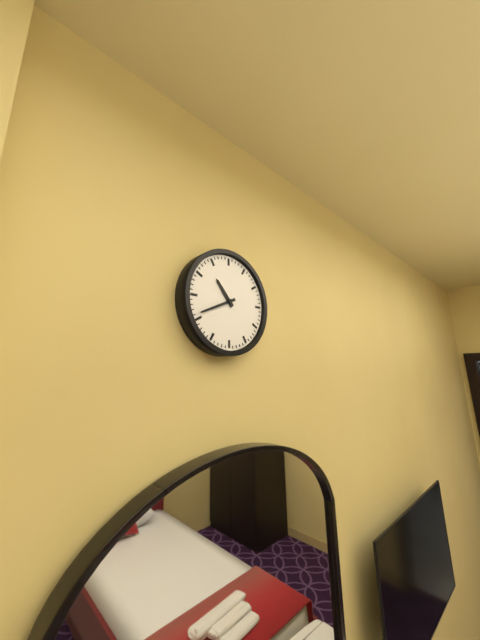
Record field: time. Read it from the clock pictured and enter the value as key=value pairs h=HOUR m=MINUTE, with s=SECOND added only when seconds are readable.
h=10 m=41
